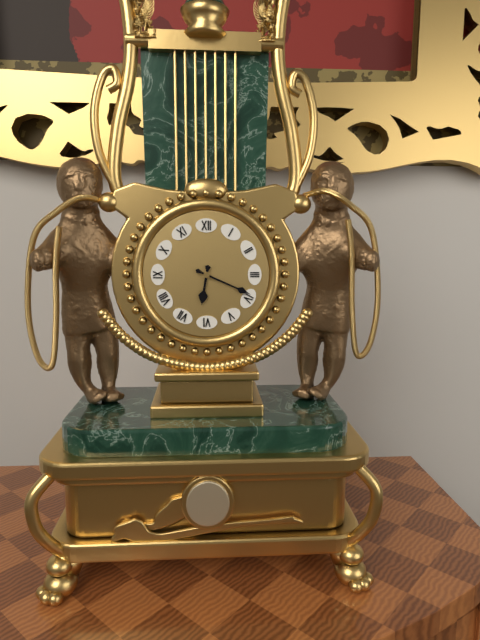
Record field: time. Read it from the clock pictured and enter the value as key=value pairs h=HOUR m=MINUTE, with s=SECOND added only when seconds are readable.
h=6 m=19
